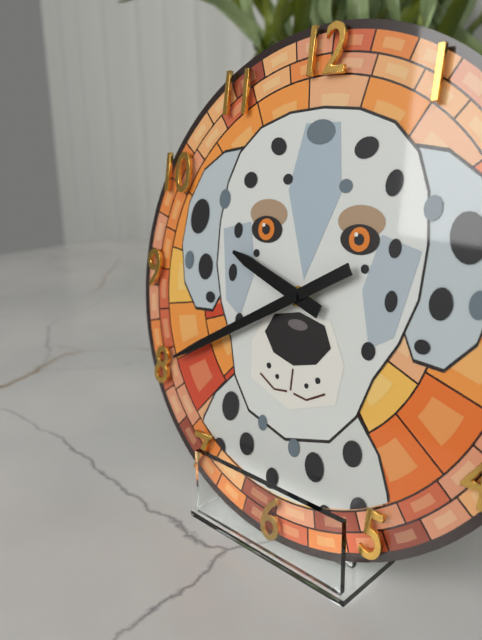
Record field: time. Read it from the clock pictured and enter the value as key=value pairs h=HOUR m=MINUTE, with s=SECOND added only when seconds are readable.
h=9 m=40
